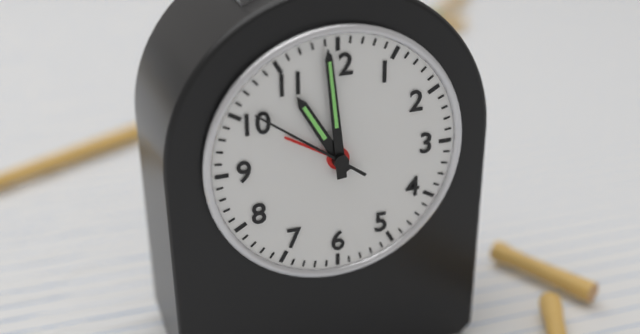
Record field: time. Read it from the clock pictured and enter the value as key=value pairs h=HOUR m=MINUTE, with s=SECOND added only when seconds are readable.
h=10 m=59 s=51
